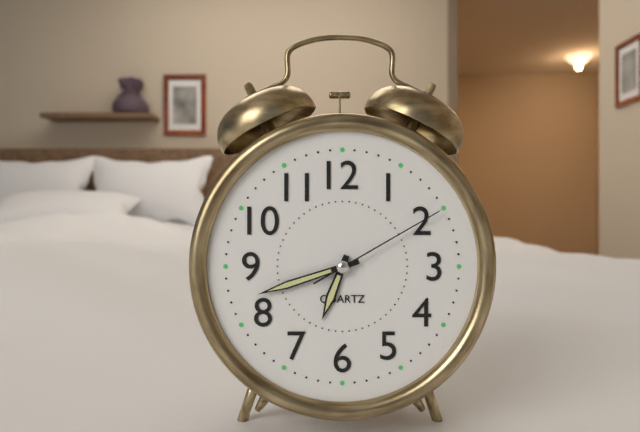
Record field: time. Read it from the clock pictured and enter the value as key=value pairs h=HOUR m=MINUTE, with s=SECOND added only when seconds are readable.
h=6 m=42 s=10
